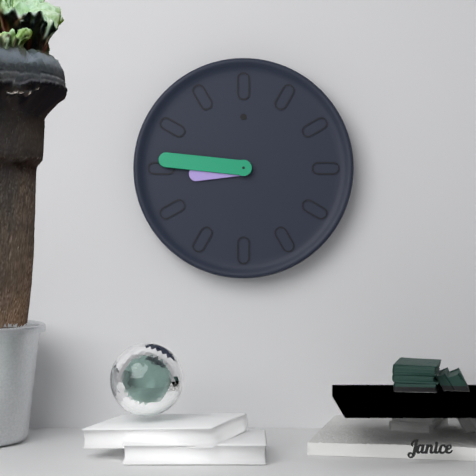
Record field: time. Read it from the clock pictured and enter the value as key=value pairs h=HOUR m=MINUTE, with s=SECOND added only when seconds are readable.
h=8 m=46
